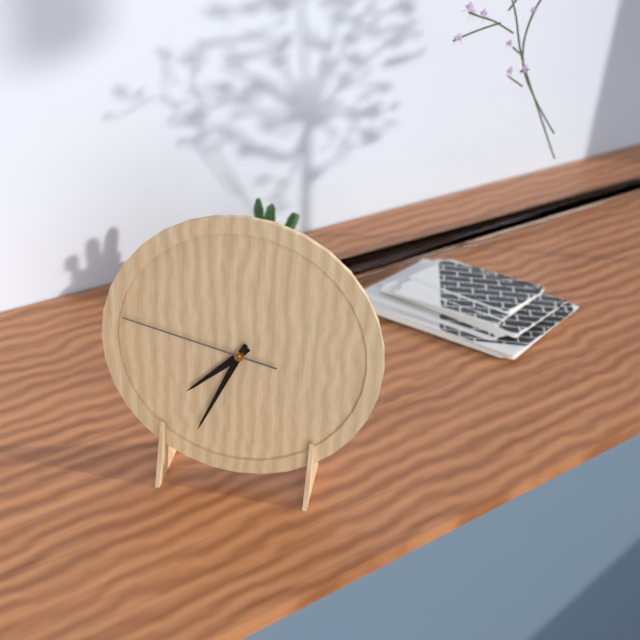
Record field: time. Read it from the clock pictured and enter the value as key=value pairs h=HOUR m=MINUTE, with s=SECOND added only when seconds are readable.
h=7 m=34 s=47
